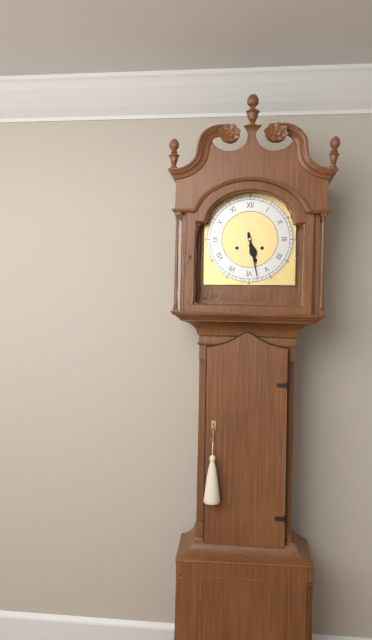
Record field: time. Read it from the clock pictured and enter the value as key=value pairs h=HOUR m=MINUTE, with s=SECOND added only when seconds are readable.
h=5 m=28
